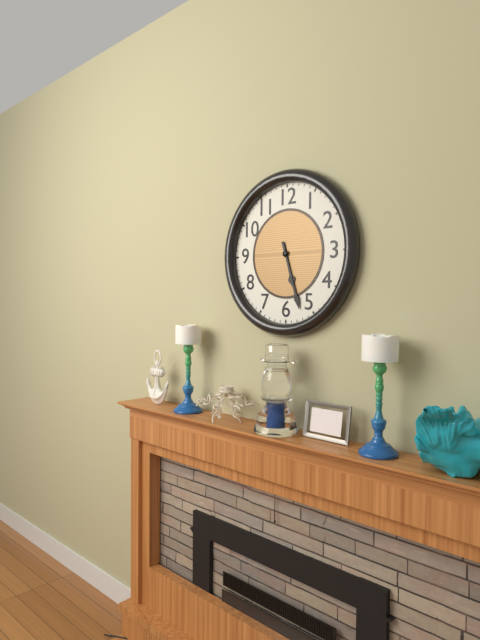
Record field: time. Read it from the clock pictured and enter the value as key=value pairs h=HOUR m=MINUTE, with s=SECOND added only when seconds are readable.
h=5 m=27
